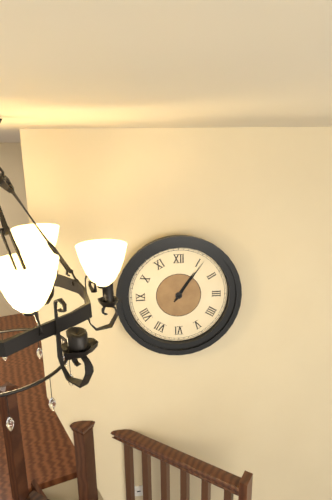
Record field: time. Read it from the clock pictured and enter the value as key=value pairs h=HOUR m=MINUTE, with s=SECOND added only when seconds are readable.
h=1 m=6
